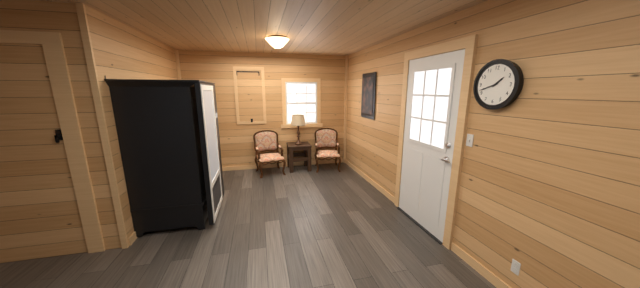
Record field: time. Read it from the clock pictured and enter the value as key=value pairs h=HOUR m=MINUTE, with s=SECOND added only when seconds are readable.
h=1 m=42
